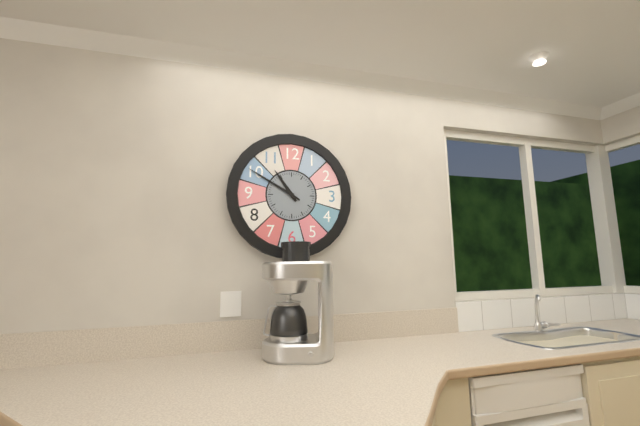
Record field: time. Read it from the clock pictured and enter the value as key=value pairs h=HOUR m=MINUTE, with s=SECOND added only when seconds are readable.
h=10 m=50
